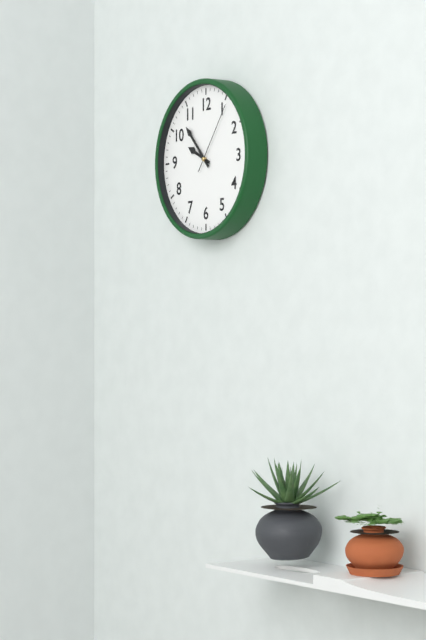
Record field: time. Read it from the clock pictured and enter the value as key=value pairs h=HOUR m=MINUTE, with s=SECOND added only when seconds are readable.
h=9 m=53 s=6
